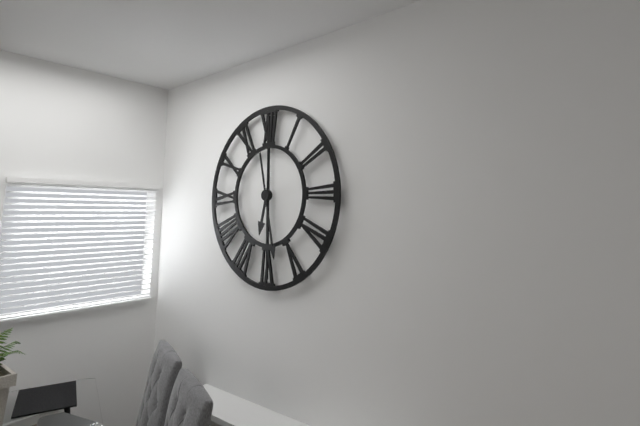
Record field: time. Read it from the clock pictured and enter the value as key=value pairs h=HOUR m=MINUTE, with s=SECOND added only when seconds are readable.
h=6 m=28
